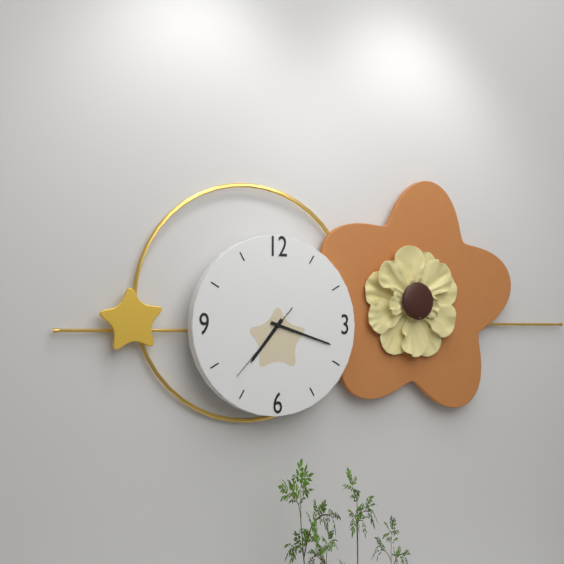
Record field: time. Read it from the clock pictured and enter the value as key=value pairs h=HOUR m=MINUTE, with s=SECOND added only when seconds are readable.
h=7 m=18 s=37
